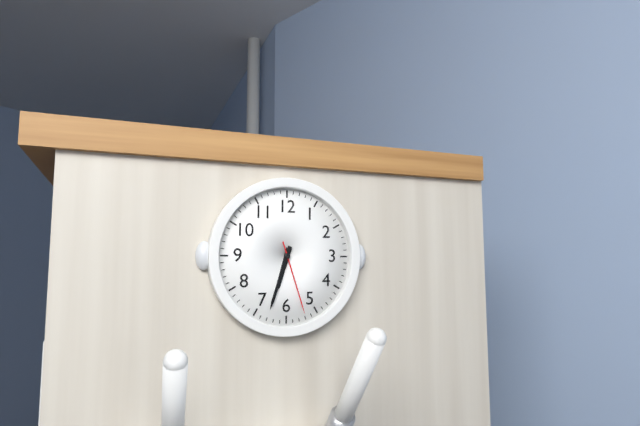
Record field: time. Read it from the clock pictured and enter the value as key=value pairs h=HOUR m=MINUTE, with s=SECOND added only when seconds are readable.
h=6 m=33 s=27
